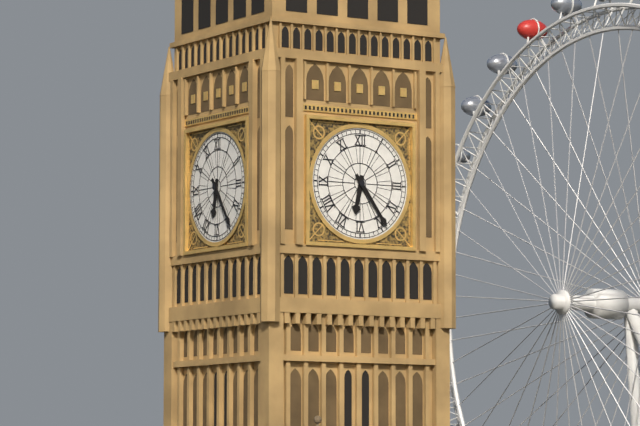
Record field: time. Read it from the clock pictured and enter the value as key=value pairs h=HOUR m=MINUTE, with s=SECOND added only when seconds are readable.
h=6 m=24
